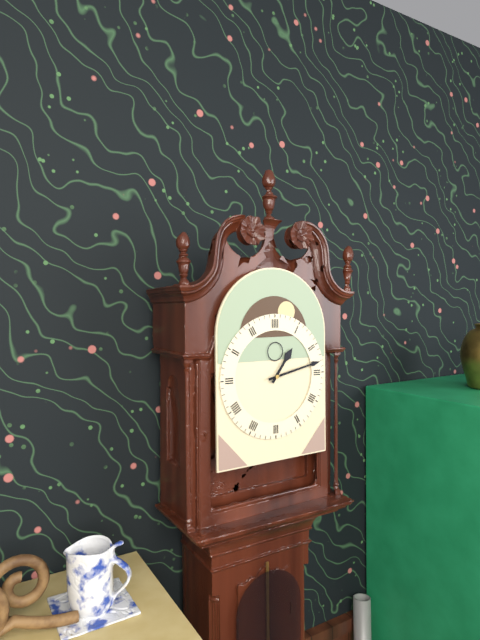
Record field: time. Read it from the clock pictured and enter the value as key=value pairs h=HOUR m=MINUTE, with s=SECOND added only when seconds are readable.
h=1 m=13
